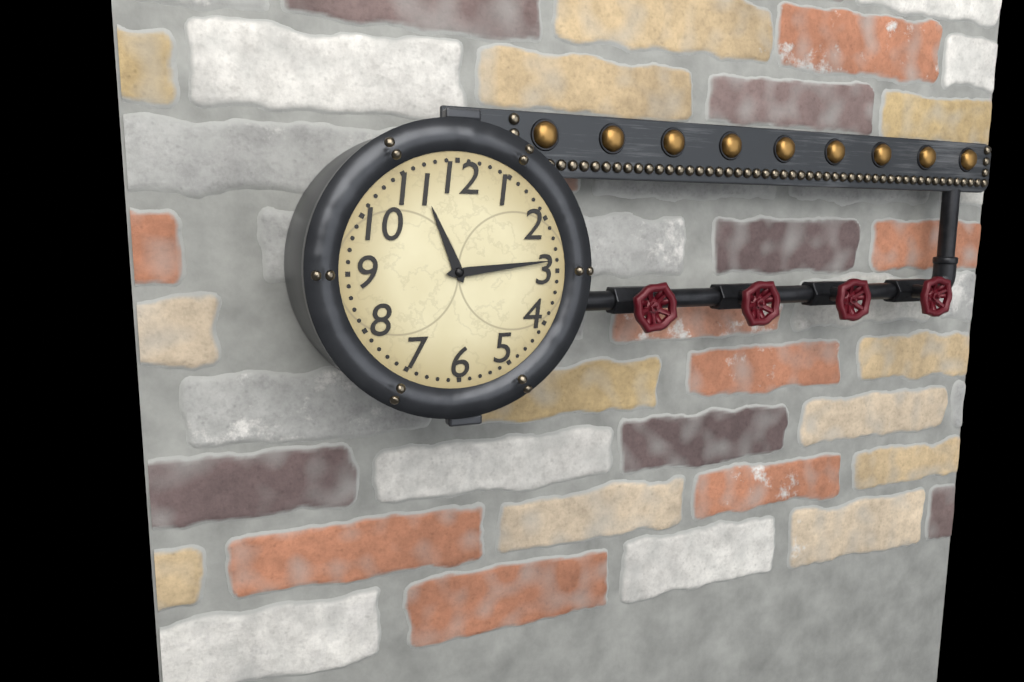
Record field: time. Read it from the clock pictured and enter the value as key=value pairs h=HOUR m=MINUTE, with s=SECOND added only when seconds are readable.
h=11 m=14
